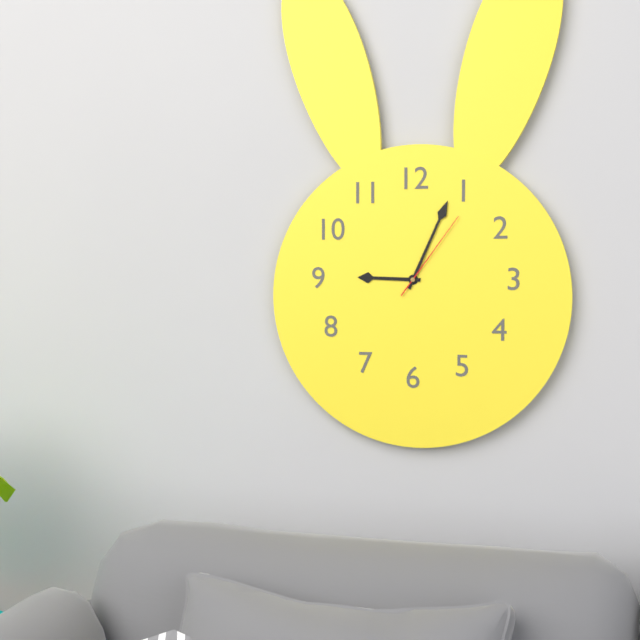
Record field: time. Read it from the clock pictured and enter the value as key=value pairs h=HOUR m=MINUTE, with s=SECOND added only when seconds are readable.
h=9 m=4 s=6
